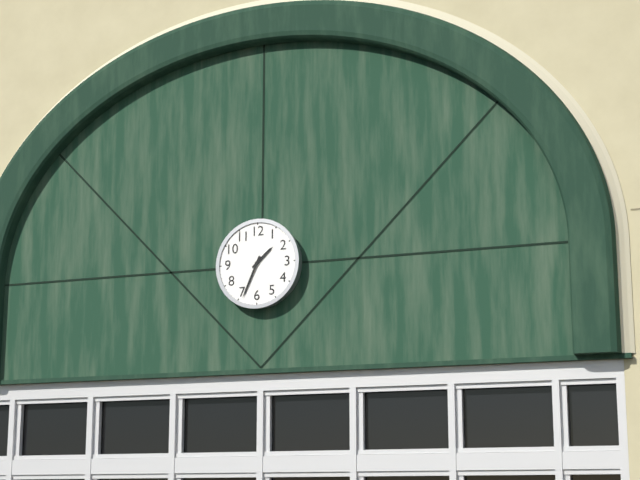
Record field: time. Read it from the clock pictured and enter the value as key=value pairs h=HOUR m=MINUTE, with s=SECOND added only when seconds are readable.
h=1 m=34
